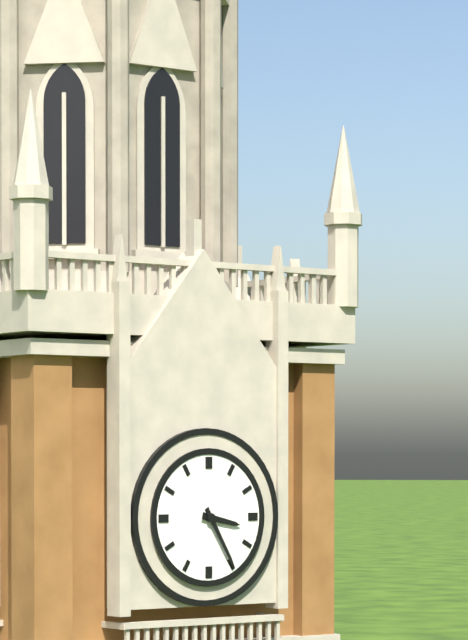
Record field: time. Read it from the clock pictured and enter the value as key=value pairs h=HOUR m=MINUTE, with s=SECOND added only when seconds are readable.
h=3 m=25
